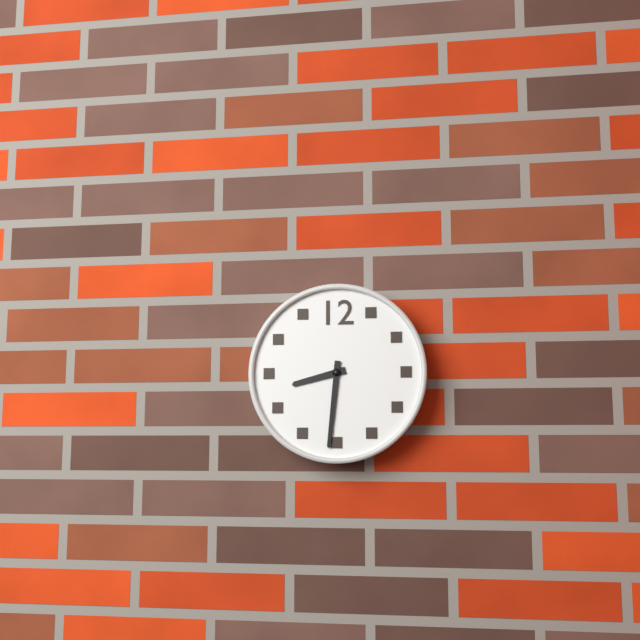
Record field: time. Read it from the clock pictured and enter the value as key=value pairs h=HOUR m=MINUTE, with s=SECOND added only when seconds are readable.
h=8 m=31
